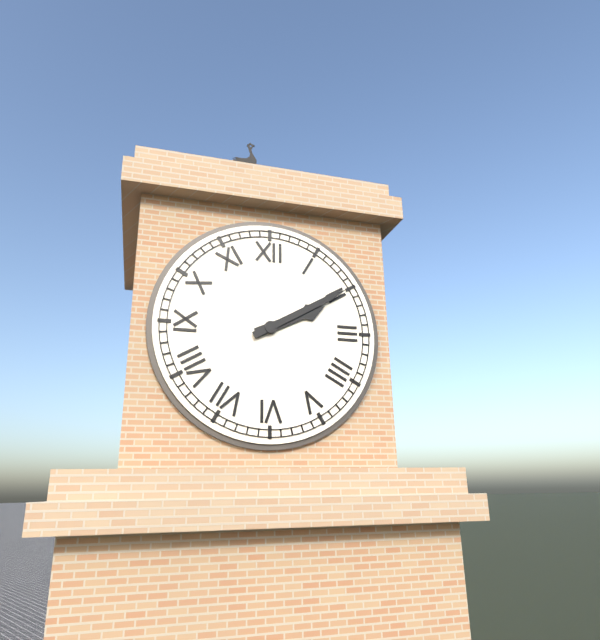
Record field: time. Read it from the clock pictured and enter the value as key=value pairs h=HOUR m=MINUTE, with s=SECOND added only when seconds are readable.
h=2 m=10
